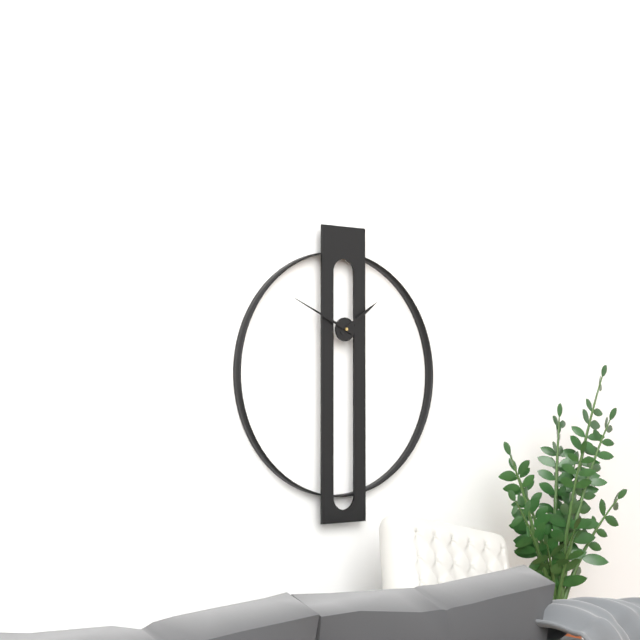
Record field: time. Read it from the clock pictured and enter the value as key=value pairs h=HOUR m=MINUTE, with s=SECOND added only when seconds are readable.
h=1 m=49
